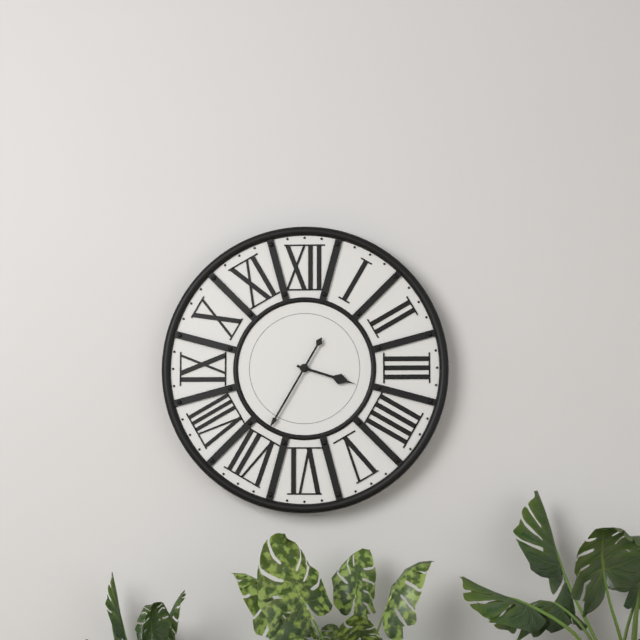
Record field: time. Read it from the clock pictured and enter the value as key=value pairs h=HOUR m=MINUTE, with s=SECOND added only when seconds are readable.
h=3 m=35
